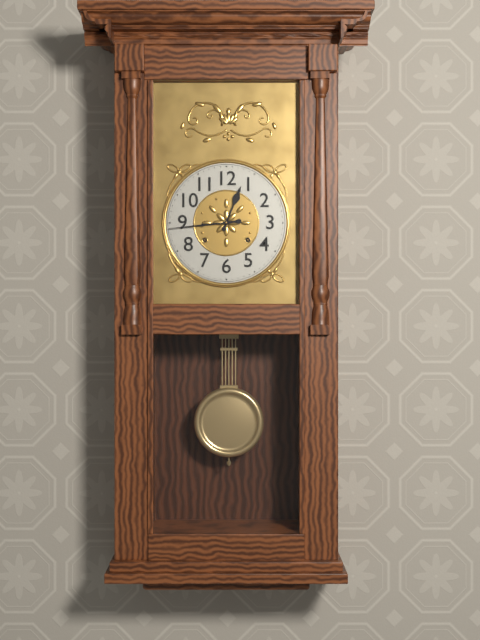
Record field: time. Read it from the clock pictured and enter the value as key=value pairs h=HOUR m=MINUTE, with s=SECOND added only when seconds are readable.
h=12 m=44
